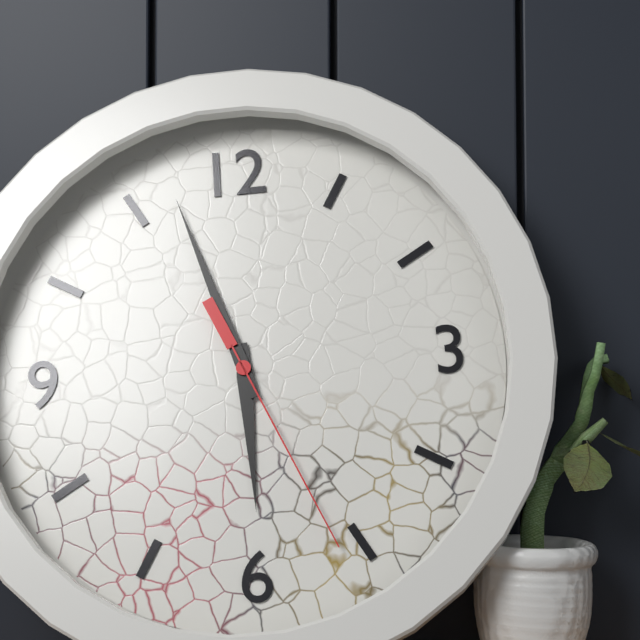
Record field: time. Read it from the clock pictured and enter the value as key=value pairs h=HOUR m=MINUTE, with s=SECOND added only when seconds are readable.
h=5 m=57 s=26
